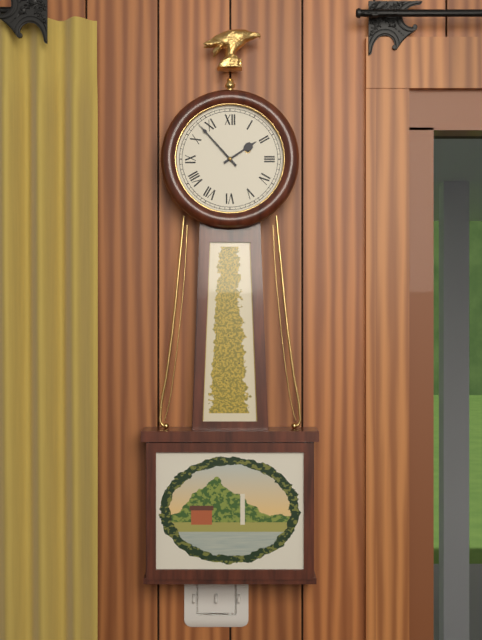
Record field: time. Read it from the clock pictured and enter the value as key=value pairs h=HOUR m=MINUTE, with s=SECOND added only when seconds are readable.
h=1 m=53
